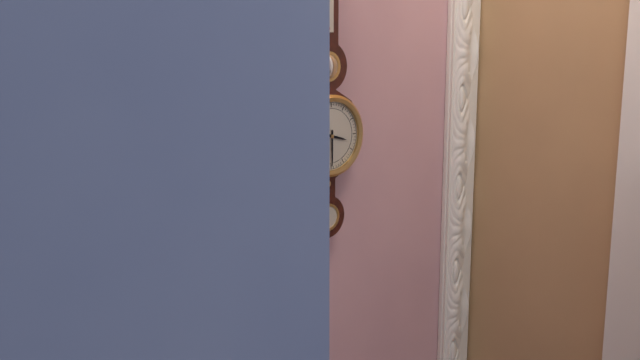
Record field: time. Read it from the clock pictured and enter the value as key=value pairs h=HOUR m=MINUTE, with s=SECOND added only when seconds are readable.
h=3 m=30
